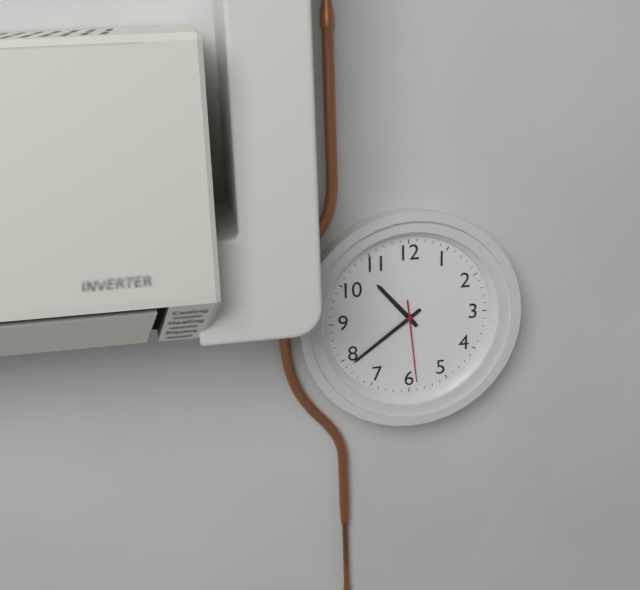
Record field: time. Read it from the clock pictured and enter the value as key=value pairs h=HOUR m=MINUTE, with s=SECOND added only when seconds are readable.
h=10 m=39 s=29
